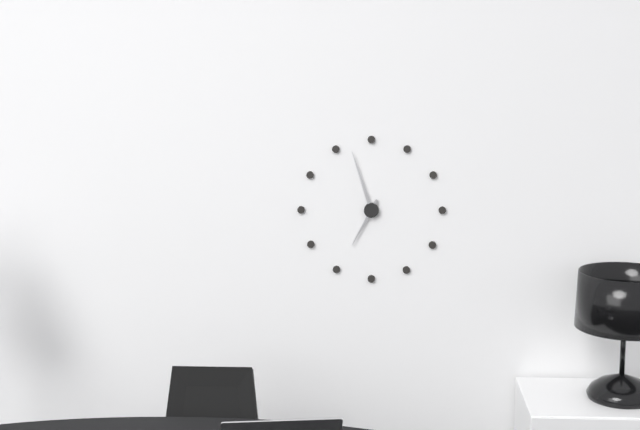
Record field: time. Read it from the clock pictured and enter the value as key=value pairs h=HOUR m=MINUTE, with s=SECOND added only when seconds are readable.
h=6 m=57
